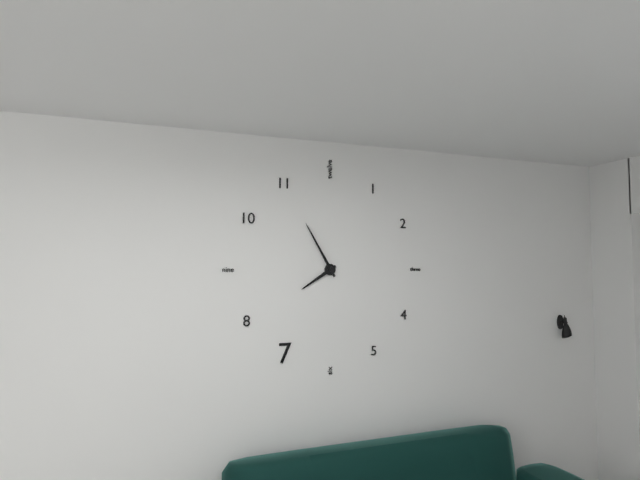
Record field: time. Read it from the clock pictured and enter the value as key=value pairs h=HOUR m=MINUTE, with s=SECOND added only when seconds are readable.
h=7 m=55
